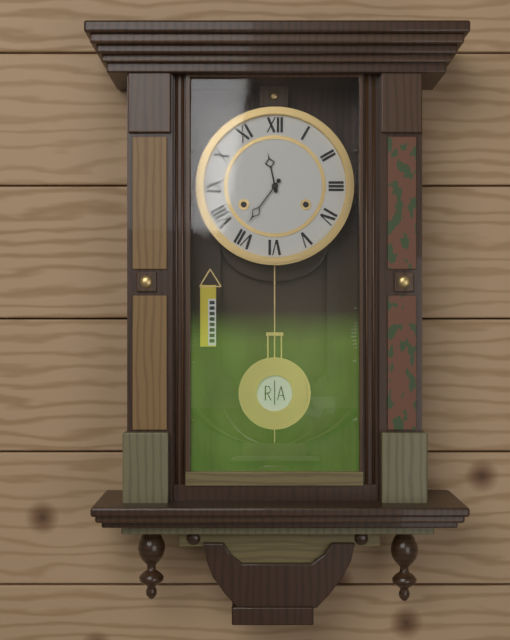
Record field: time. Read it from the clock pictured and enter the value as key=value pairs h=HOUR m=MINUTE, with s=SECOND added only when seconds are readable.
h=11 m=36
